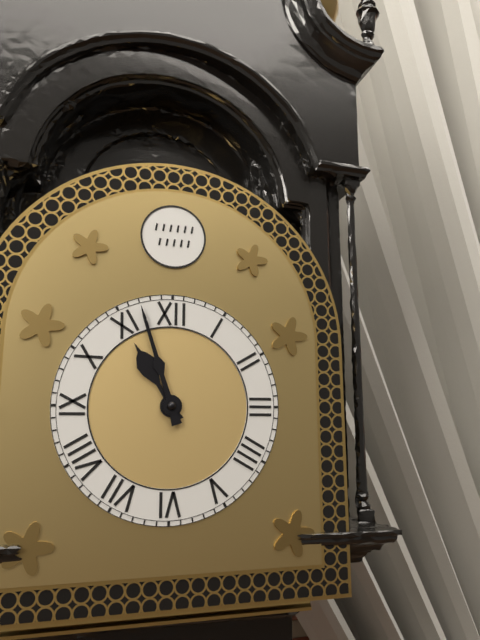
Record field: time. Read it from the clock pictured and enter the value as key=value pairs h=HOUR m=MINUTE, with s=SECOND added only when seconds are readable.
h=10 m=57
